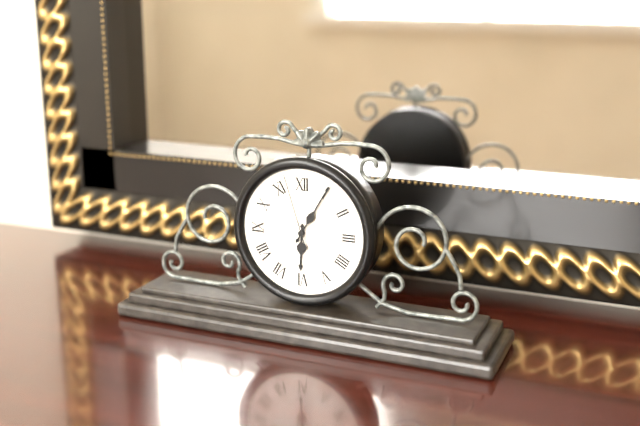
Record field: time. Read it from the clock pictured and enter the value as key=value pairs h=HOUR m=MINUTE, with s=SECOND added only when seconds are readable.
h=6 m=5 s=57
